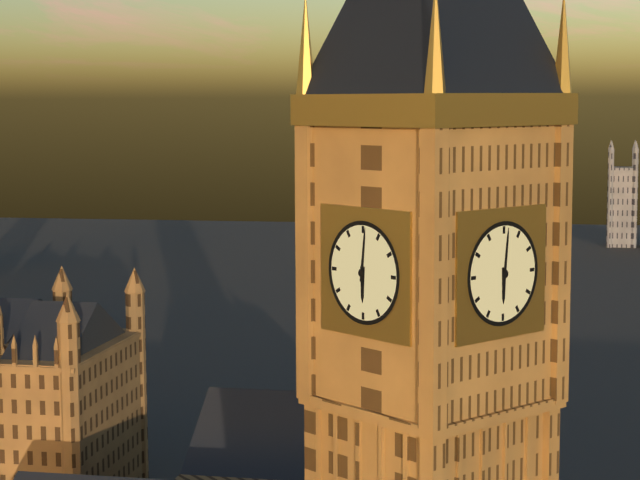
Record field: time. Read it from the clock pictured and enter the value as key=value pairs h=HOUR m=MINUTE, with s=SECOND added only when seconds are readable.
h=6 m=1
